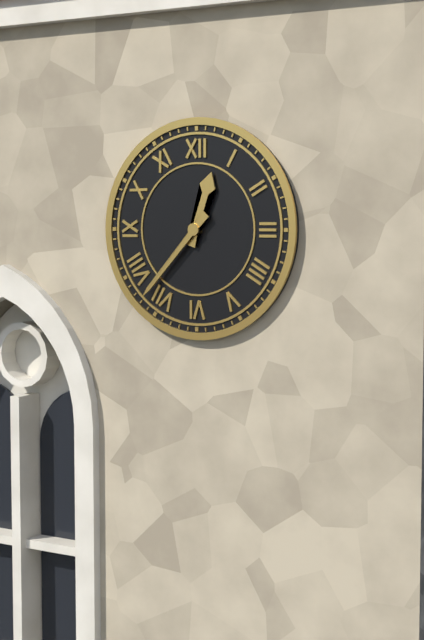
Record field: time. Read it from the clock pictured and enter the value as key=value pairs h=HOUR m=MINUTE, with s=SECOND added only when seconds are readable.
h=12 m=37
